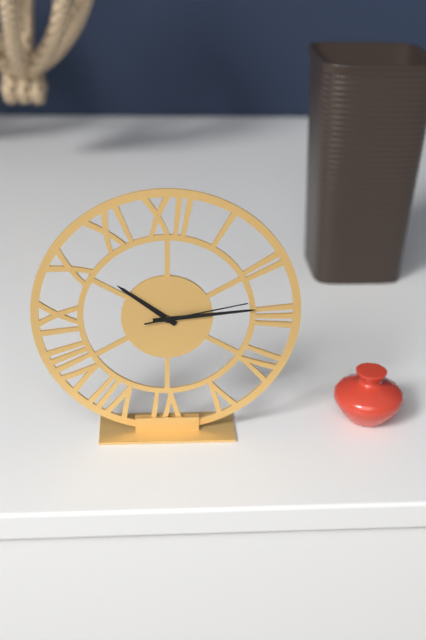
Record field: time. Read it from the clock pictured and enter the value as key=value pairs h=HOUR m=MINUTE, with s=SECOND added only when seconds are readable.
h=10 m=14 s=13
